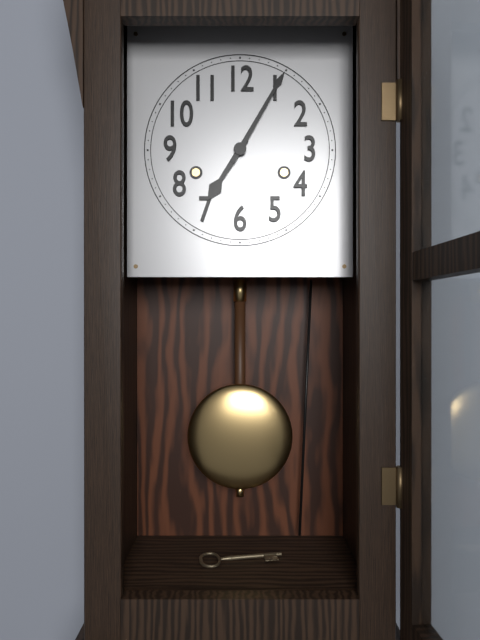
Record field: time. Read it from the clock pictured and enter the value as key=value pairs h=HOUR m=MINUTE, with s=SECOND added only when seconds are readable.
h=7 m=5
